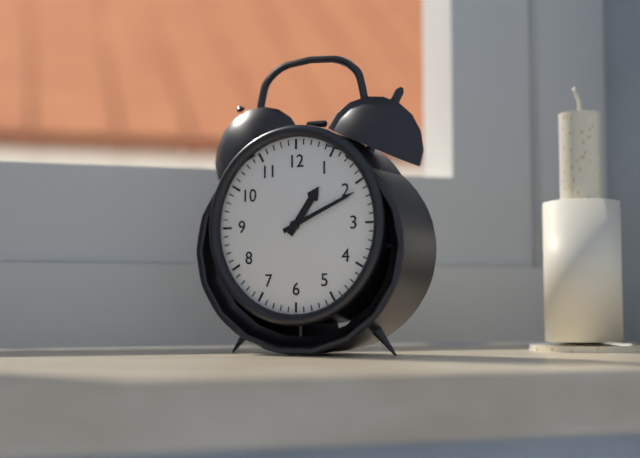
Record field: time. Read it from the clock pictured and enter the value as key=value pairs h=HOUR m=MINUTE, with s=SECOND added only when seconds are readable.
h=1 m=11
